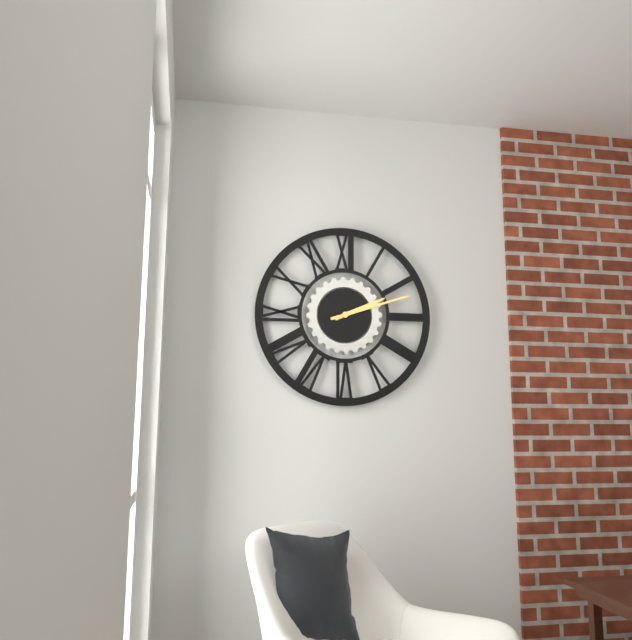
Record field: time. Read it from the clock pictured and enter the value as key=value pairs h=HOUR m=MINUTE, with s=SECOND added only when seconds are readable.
h=2 m=12
